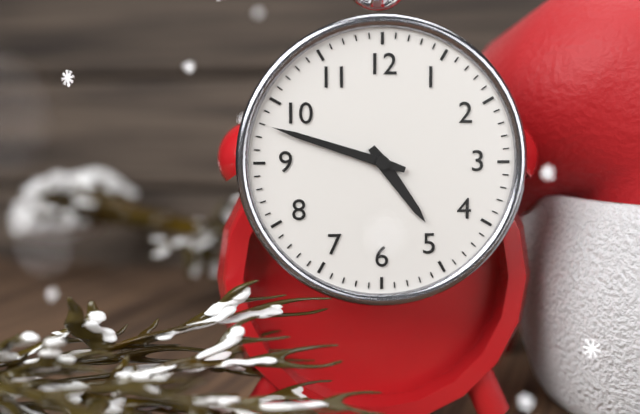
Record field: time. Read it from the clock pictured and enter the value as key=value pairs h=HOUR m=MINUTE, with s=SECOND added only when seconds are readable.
h=4 m=48
